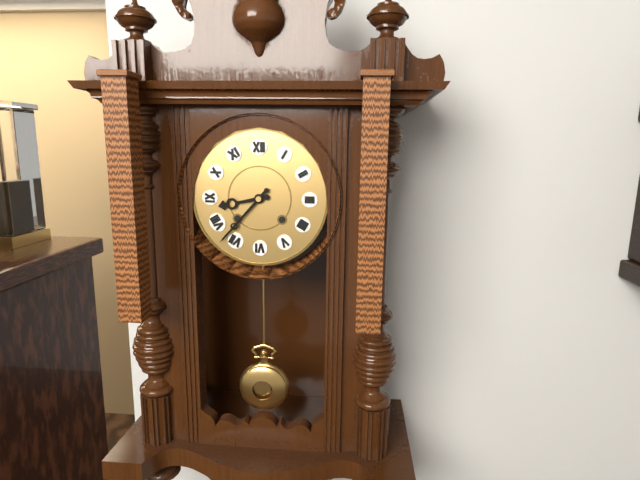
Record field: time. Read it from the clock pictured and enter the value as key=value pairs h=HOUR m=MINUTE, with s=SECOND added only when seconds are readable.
h=8 m=37
